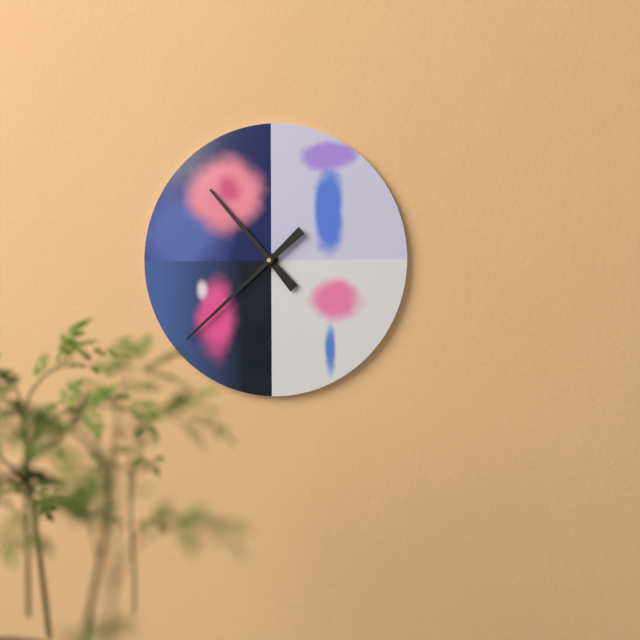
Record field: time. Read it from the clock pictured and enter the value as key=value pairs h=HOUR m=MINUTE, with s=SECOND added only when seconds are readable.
h=10 m=38
